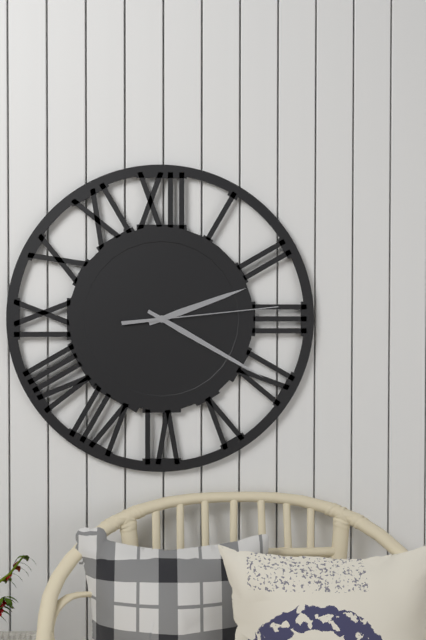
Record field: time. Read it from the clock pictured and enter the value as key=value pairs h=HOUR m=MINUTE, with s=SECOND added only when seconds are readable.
h=2 m=20 s=14
